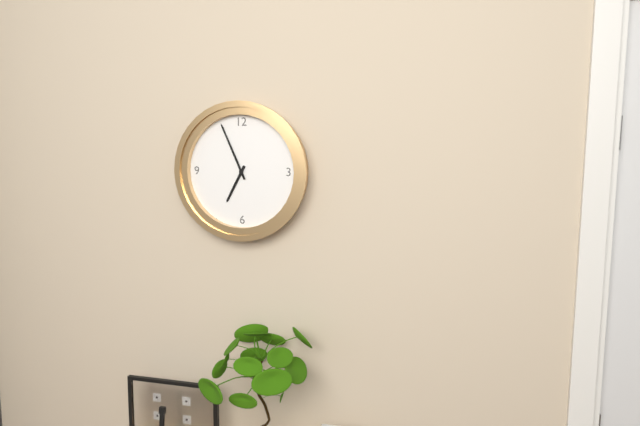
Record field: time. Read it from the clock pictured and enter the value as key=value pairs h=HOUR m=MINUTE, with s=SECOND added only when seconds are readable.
h=6 m=56
